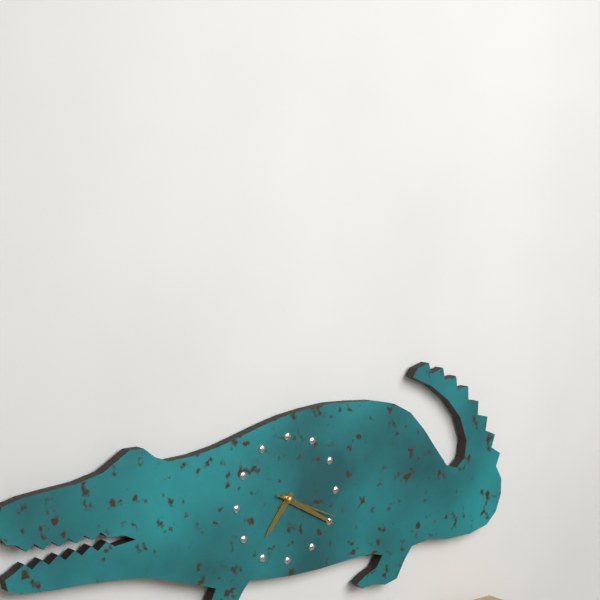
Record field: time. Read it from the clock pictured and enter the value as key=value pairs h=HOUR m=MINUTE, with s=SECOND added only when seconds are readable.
h=7 m=20 s=19
